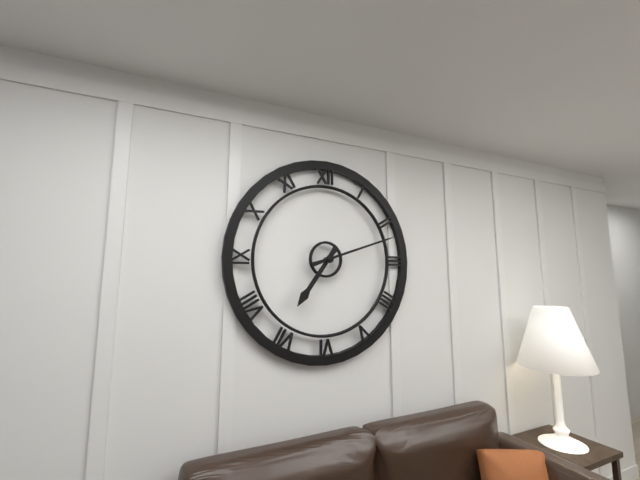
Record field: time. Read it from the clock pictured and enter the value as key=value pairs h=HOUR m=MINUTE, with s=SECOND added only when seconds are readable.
h=7 m=12
